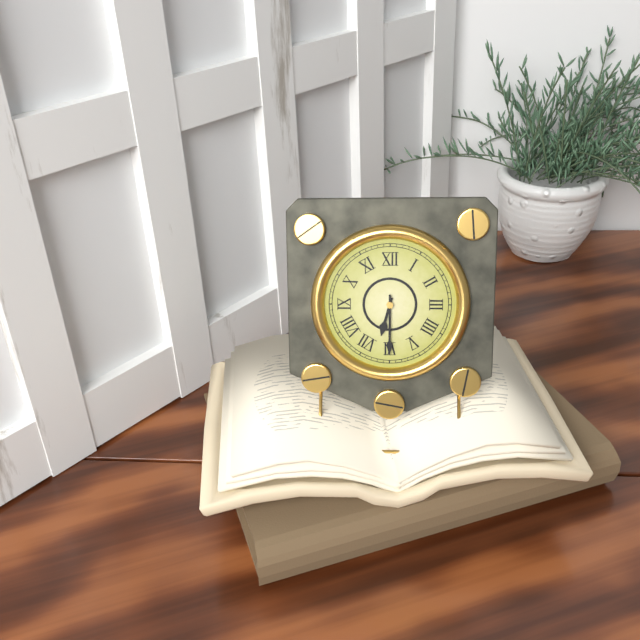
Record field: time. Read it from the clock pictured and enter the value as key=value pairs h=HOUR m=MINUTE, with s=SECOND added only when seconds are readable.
h=6 m=30
